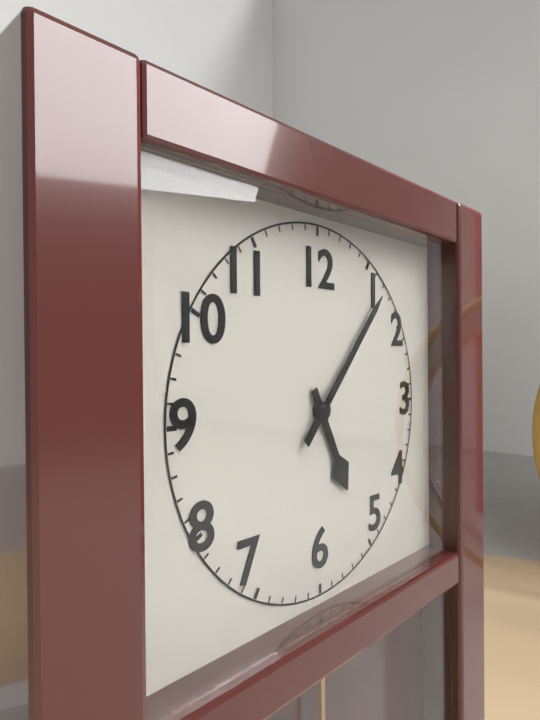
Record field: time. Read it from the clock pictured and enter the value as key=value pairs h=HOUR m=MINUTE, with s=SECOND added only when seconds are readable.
h=5 m=7
